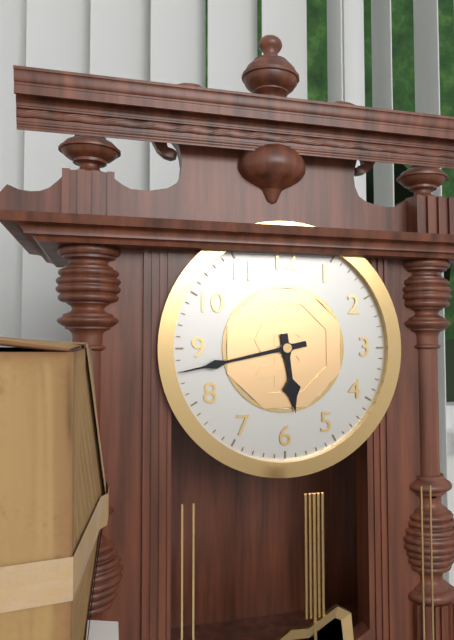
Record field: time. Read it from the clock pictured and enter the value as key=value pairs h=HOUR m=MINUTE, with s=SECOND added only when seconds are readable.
h=5 m=43
